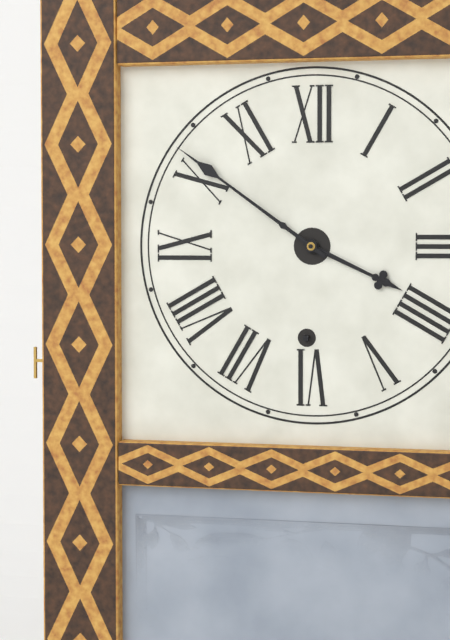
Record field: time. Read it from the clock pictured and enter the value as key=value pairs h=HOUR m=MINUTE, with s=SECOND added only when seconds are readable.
h=3 m=51
